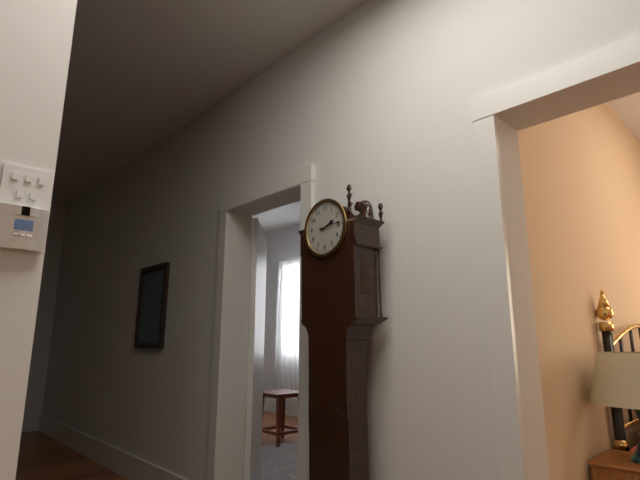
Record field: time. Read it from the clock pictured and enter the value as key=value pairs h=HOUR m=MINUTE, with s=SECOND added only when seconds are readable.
h=2 m=14
